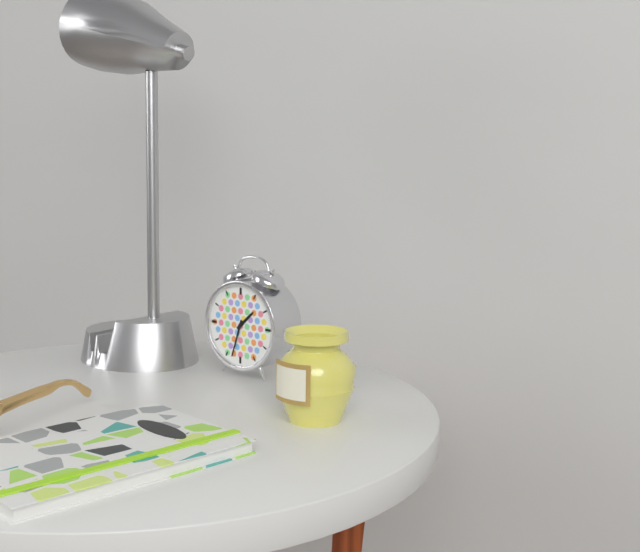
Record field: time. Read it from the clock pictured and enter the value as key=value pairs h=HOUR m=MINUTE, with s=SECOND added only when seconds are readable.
h=1 m=33
